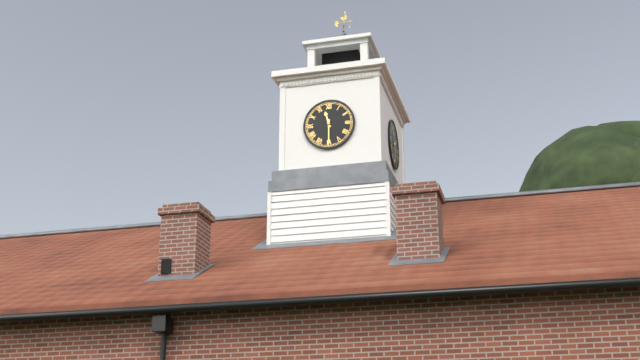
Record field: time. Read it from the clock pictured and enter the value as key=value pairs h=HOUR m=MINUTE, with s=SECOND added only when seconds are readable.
h=11 m=30
